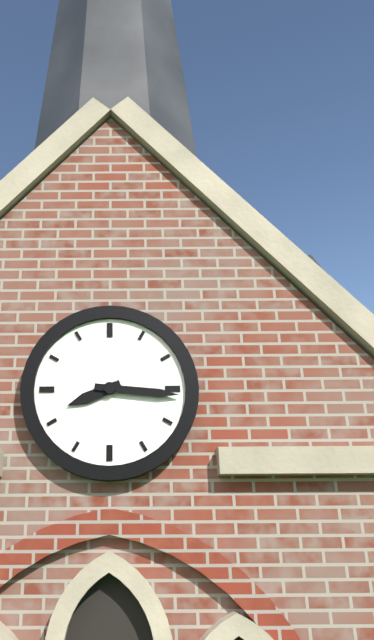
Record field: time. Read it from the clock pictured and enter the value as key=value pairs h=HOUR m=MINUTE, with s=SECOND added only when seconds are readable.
h=8 m=16
